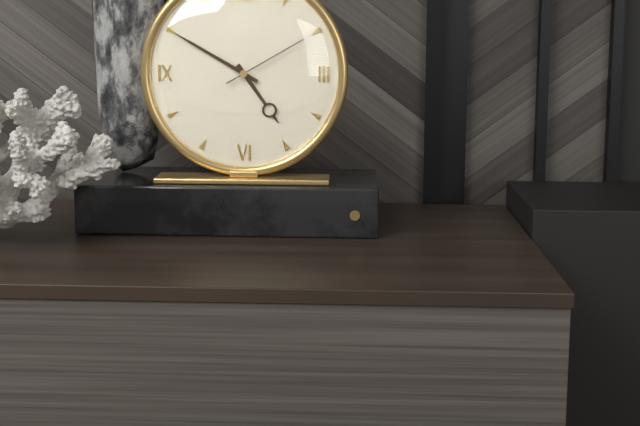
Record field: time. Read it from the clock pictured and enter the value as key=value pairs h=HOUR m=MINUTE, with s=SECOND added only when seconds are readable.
h=4 m=50 s=10
